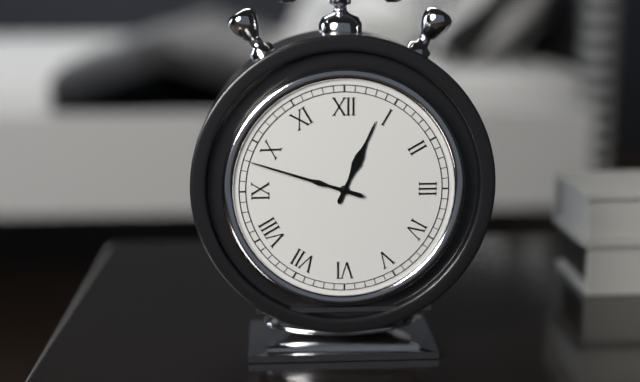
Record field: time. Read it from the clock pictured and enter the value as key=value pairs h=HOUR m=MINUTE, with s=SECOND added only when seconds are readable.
h=12 m=48
